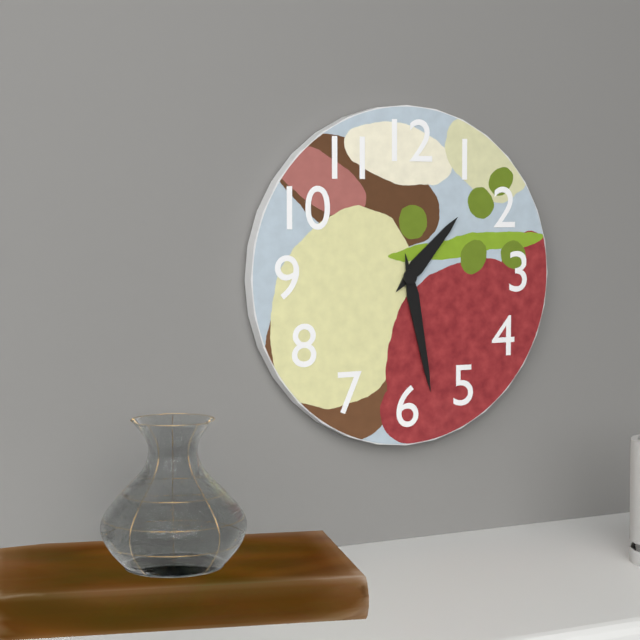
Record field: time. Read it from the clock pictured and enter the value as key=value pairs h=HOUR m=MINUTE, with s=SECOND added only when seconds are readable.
h=1 m=28
